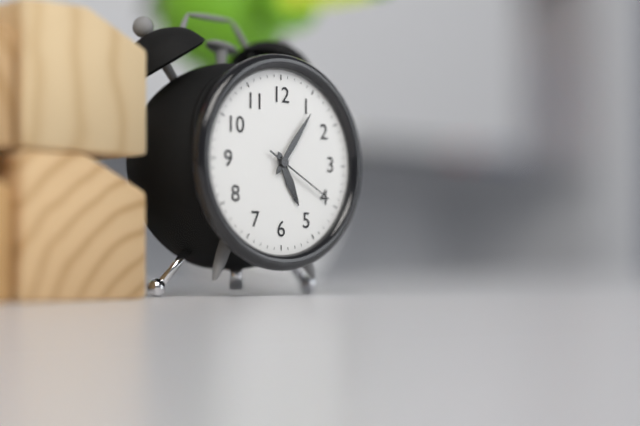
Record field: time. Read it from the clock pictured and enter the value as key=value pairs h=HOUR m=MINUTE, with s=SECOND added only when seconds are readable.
h=5 m=6 s=20
